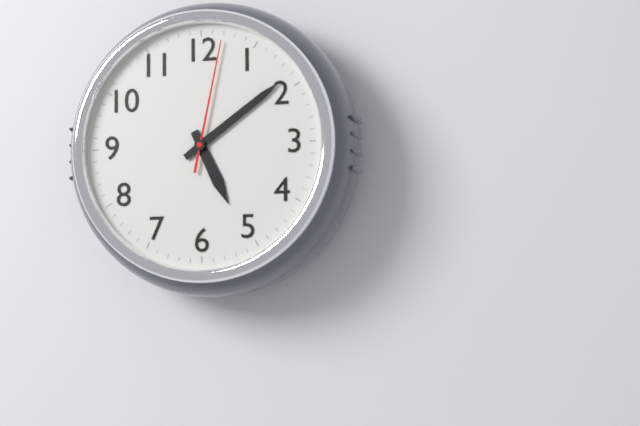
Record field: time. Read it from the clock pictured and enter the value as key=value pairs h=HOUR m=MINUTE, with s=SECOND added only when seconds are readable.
h=5 m=9 s=2
